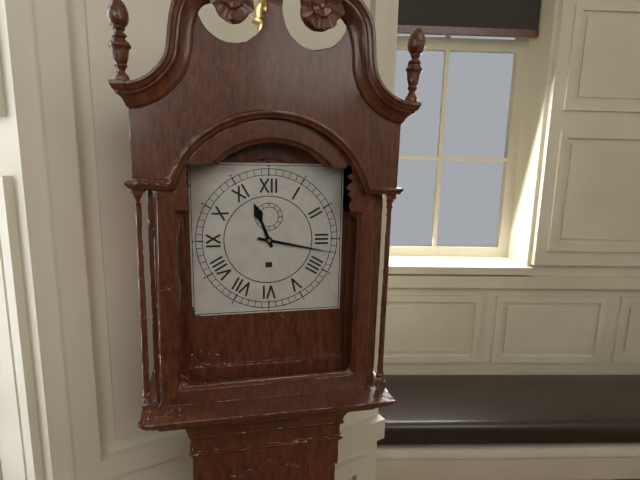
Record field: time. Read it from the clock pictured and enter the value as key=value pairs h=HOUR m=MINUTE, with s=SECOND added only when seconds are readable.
h=11 m=17
